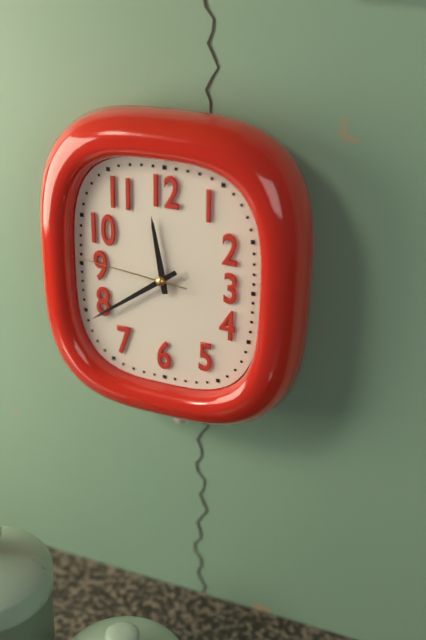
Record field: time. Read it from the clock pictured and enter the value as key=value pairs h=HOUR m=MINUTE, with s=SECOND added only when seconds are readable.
h=11 m=39 s=46
